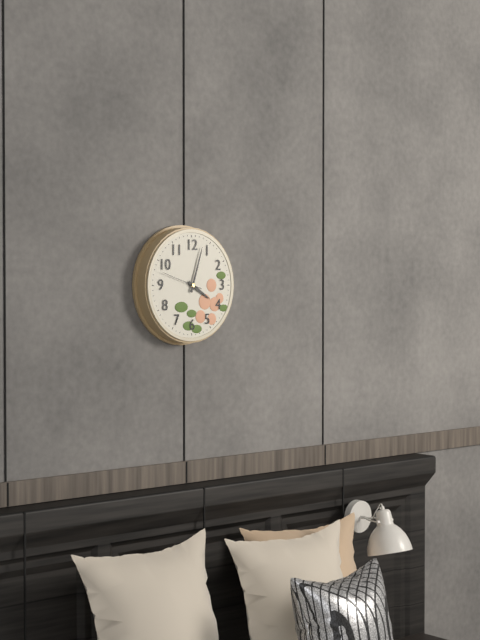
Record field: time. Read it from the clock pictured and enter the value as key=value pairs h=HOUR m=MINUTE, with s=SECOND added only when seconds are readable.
h=4 m=3
